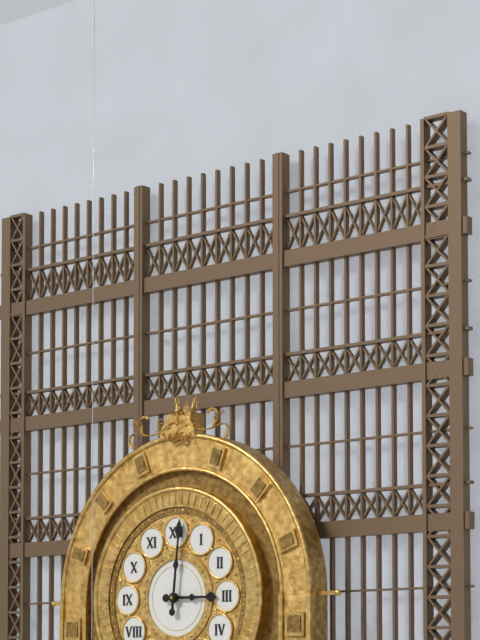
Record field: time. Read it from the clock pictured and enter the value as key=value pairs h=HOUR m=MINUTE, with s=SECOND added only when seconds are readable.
h=3 m=1
